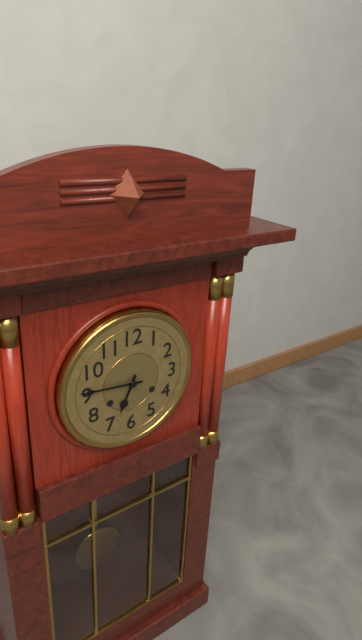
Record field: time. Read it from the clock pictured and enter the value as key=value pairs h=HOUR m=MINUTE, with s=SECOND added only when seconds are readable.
h=6 m=46
